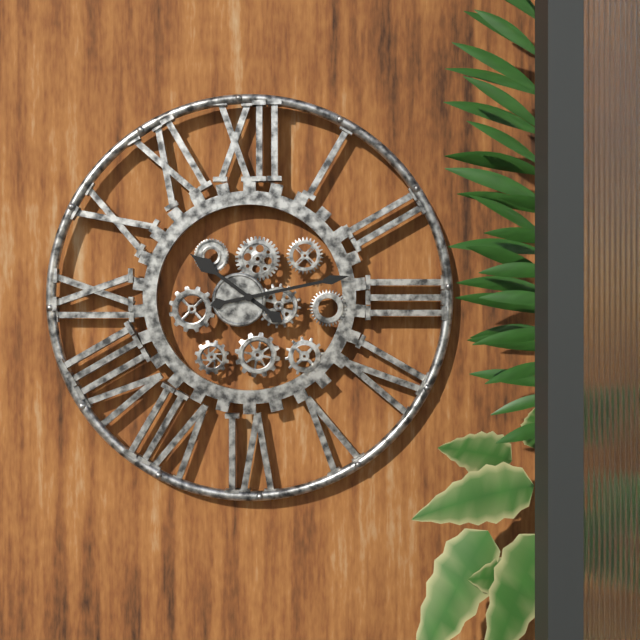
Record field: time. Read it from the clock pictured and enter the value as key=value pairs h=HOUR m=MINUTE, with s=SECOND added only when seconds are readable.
h=10 m=13
